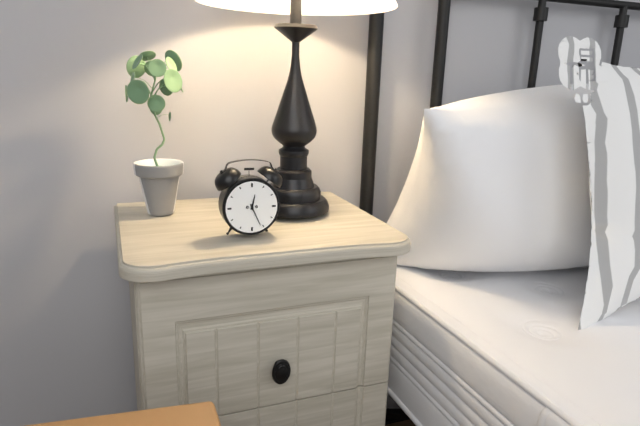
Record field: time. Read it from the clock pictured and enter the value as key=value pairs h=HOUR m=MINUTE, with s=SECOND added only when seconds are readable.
h=12 m=26
